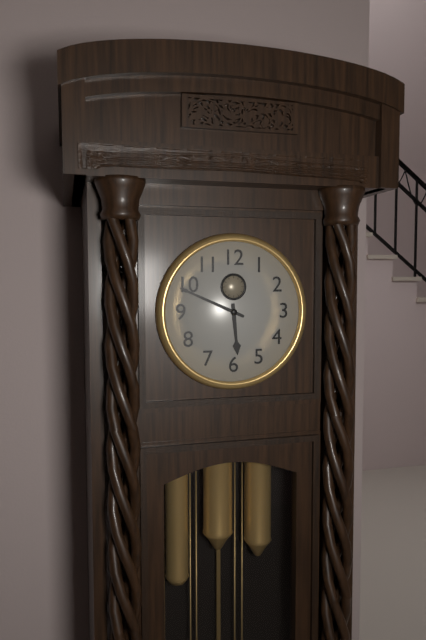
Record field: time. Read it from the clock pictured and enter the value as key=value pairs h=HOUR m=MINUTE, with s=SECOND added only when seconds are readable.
h=5 m=49
